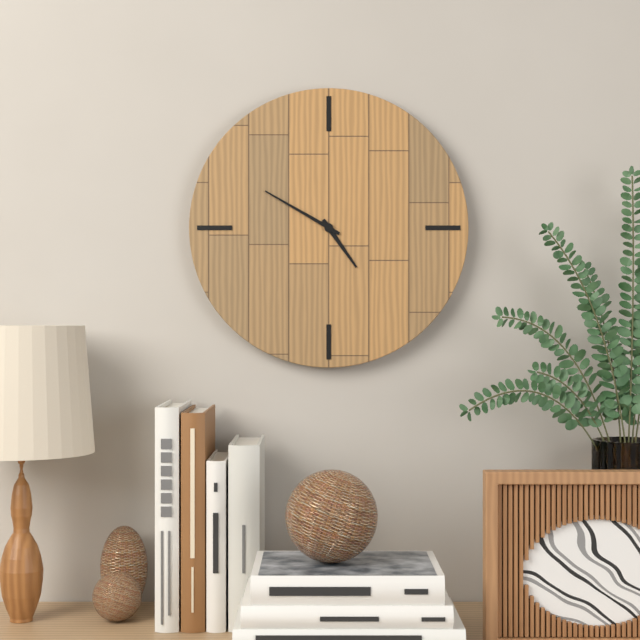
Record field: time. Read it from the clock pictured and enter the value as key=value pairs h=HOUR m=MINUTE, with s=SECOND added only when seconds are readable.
h=4 m=50
